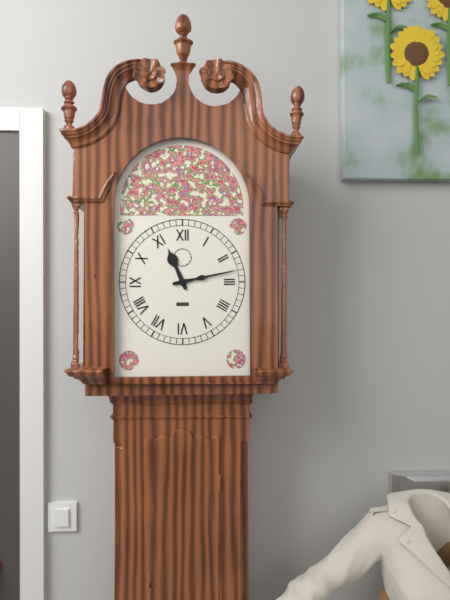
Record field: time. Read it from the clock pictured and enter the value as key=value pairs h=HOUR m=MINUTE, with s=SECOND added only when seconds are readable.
h=11 m=13
